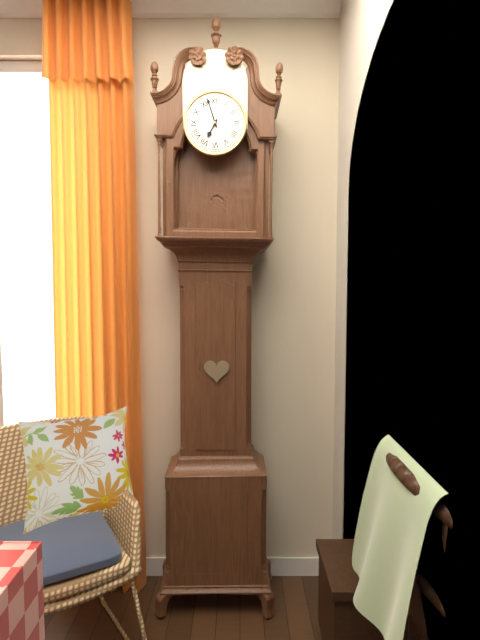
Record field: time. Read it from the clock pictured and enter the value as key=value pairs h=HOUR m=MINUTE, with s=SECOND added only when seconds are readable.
h=6 m=57
